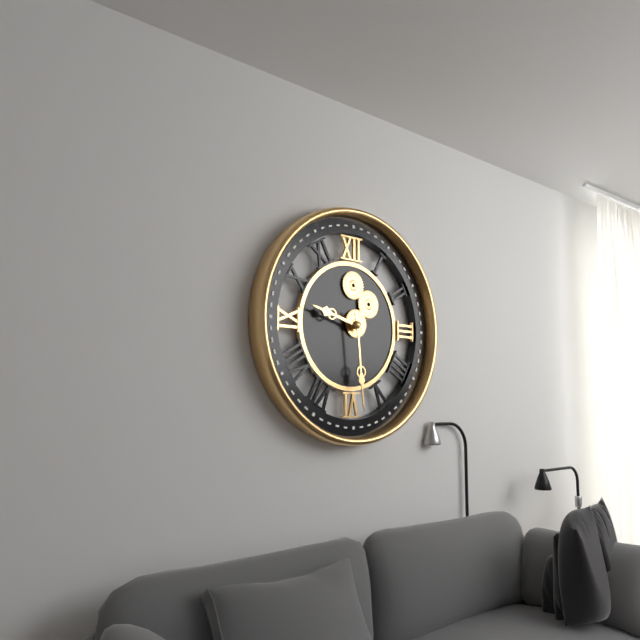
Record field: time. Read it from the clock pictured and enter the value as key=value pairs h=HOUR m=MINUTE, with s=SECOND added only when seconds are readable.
h=9 m=29
